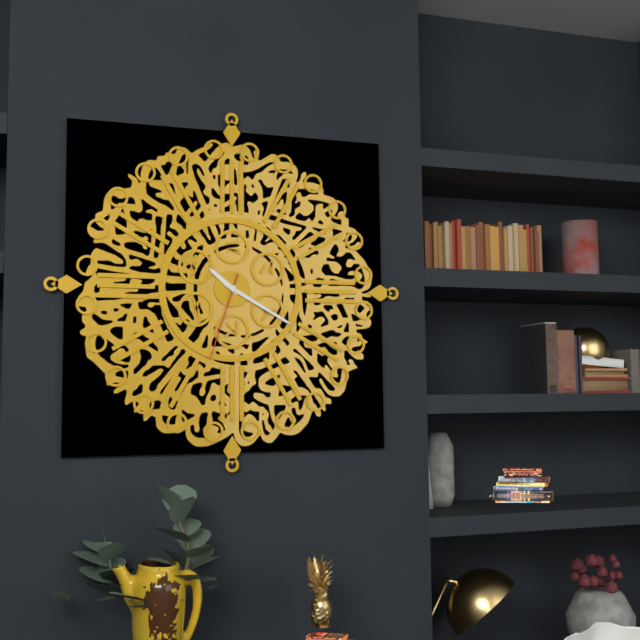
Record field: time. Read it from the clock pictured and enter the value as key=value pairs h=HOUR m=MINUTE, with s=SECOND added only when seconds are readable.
h=10 m=20 s=33
